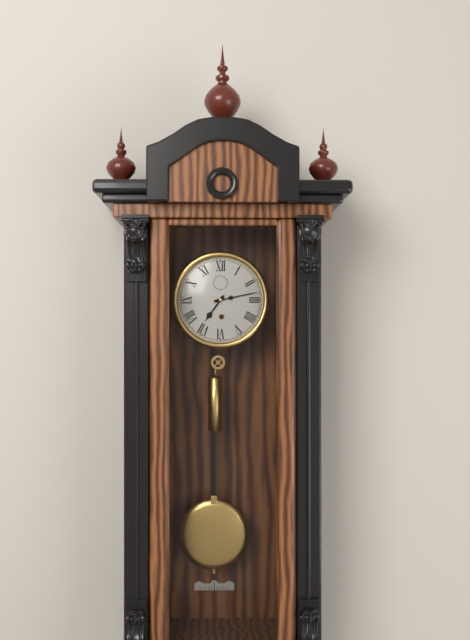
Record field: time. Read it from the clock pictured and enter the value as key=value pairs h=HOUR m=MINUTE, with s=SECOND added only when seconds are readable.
h=7 m=13
